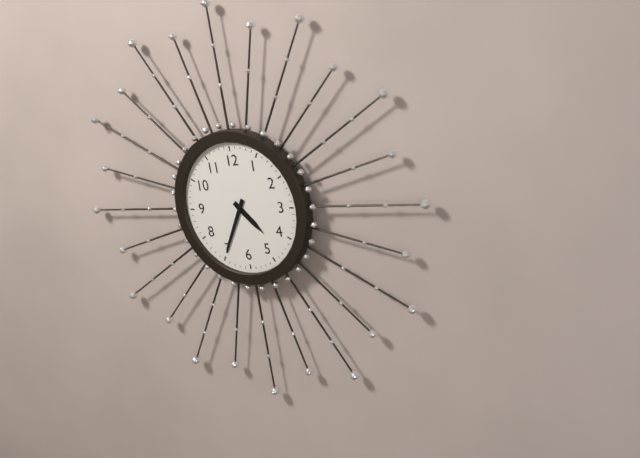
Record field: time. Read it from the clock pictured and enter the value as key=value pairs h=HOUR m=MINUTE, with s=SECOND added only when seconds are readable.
h=4 m=35
